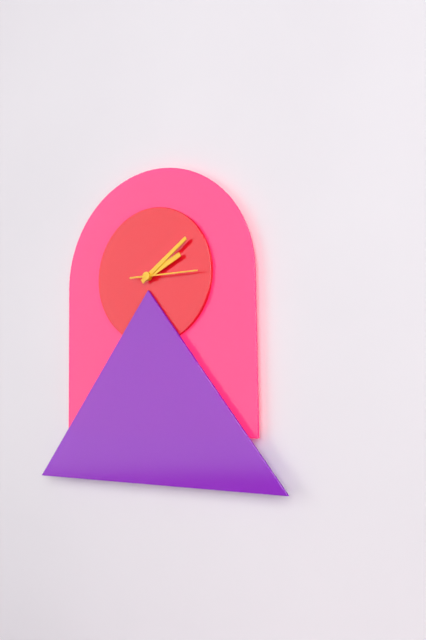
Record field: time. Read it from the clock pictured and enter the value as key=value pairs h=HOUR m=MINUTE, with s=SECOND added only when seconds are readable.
h=2 m=9 s=15
